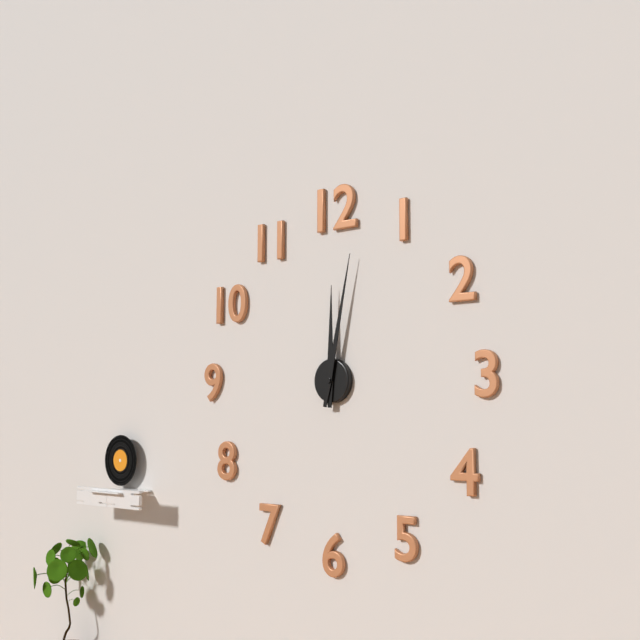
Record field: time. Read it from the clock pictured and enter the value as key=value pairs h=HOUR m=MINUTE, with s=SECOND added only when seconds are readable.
h=12 m=2
